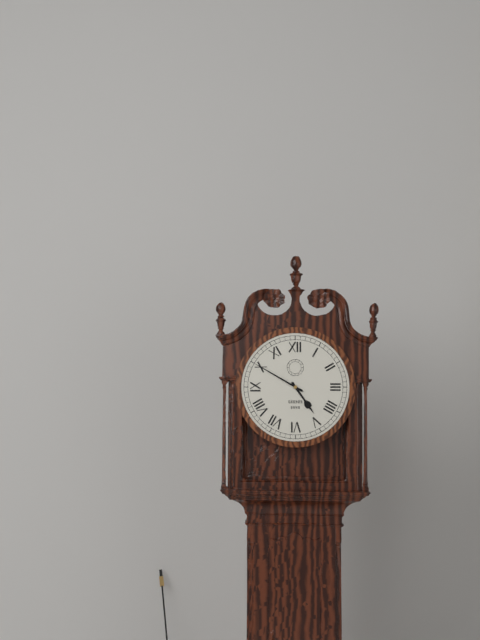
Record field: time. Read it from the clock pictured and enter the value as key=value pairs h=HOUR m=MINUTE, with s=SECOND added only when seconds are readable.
h=4 m=50
